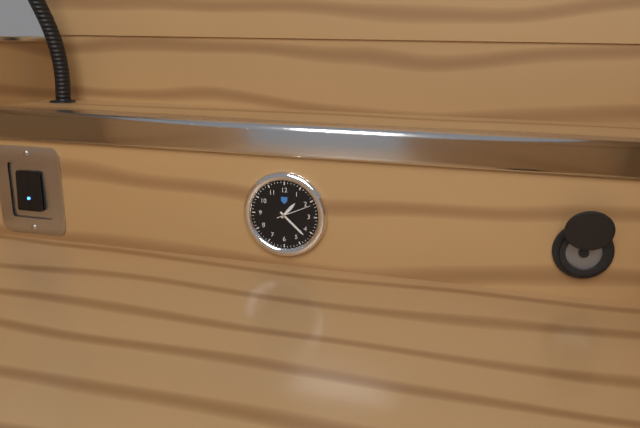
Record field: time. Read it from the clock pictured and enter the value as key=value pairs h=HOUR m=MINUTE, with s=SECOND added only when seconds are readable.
h=1 m=22
